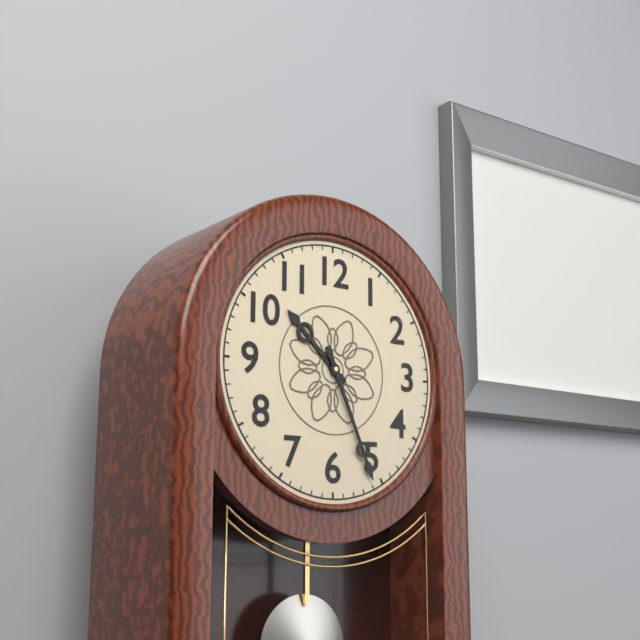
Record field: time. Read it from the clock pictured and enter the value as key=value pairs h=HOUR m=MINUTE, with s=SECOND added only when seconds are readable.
h=10 m=26
